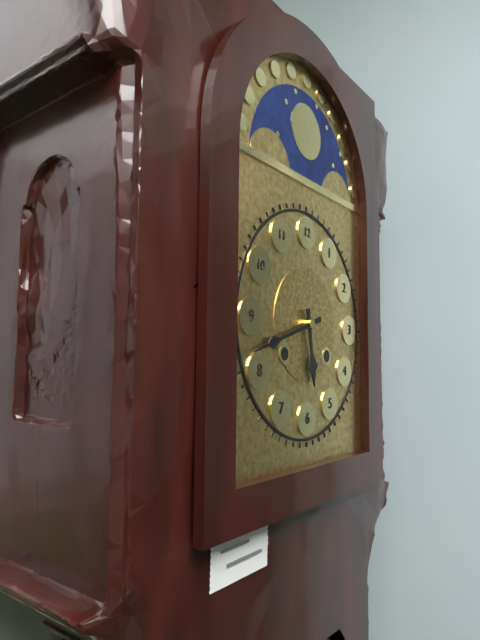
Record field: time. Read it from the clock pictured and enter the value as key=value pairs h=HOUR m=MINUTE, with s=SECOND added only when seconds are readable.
h=5 m=42
